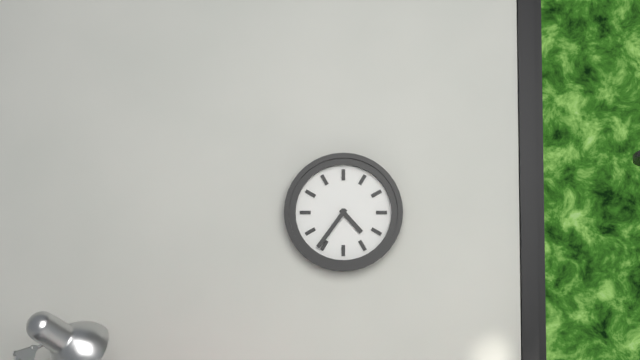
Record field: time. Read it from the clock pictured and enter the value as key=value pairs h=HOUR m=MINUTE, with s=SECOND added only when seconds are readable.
h=4 m=36
